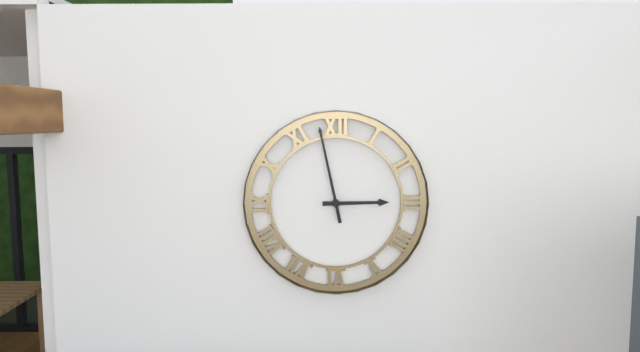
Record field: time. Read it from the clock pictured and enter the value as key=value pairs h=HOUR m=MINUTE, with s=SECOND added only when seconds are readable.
h=2 m=58
